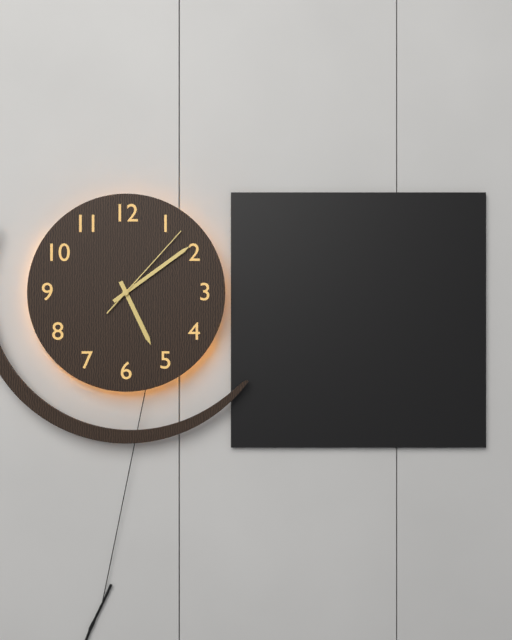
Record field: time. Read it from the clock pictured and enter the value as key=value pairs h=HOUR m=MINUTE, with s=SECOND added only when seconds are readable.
h=5 m=9 s=7
